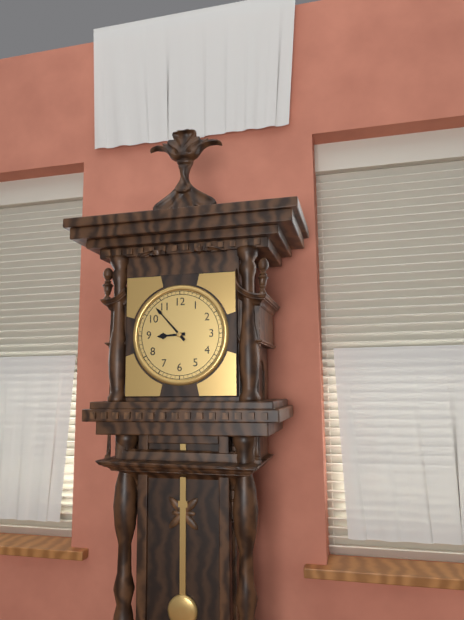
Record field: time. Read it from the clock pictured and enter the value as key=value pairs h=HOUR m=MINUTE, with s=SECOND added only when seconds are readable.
h=8 m=53
